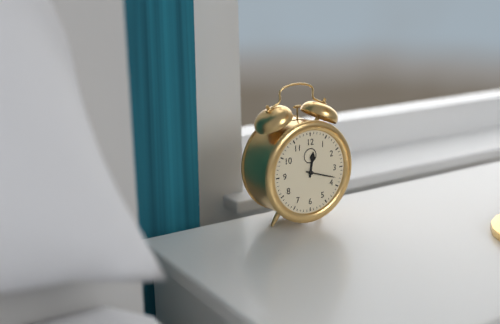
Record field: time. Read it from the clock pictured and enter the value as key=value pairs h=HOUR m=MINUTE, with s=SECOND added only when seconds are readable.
h=12 m=18
